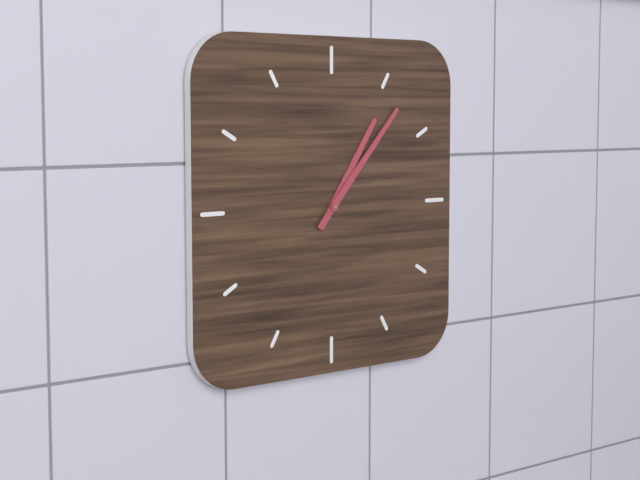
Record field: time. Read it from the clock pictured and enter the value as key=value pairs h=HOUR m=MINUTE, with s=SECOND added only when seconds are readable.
h=1 m=7
